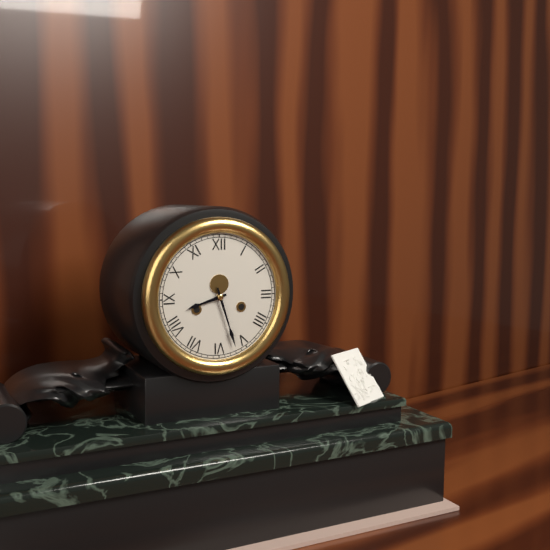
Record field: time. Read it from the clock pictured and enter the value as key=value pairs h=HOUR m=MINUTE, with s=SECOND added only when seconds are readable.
h=8 m=27
